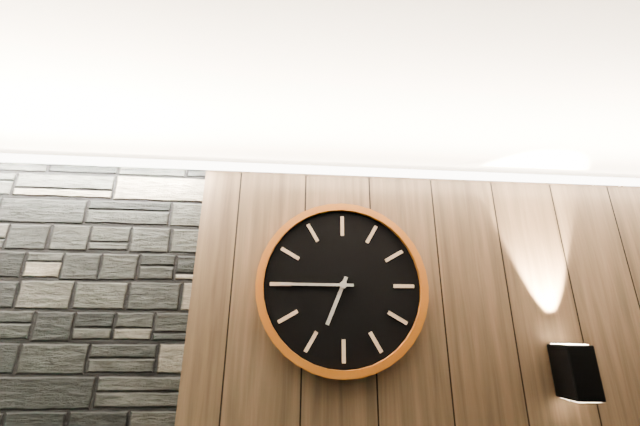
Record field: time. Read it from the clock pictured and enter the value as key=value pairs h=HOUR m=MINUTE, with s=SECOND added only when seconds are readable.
h=6 m=45
